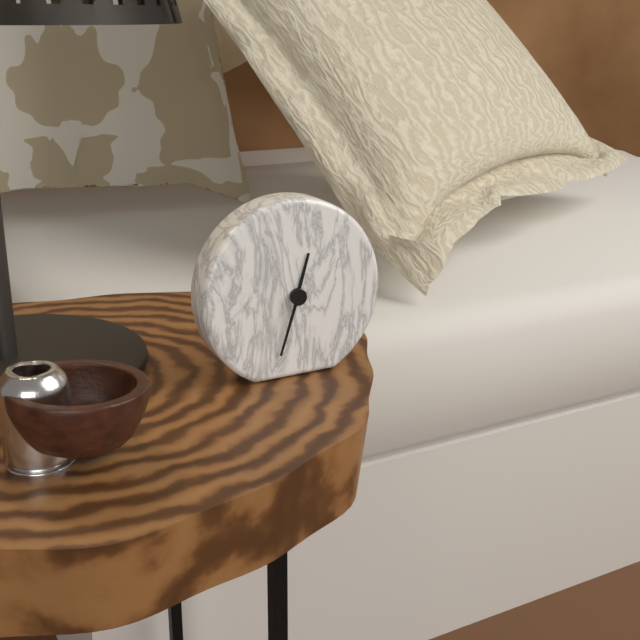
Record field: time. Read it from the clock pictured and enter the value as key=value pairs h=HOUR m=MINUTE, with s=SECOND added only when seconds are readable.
h=12 m=33
